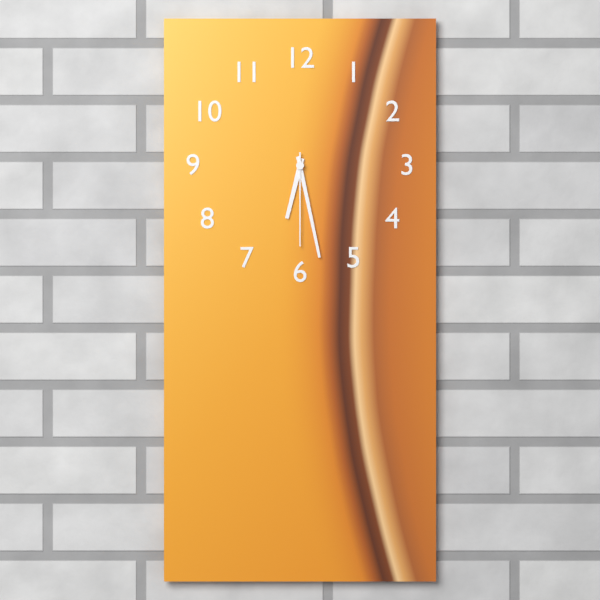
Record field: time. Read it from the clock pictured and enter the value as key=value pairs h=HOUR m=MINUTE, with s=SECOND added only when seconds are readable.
h=6 m=28 s=30
